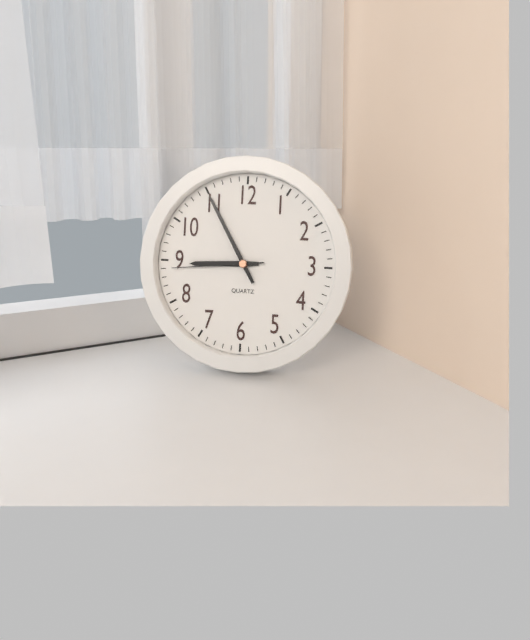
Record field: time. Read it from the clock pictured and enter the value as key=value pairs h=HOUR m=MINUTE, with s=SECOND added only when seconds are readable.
h=8 m=55 s=44
